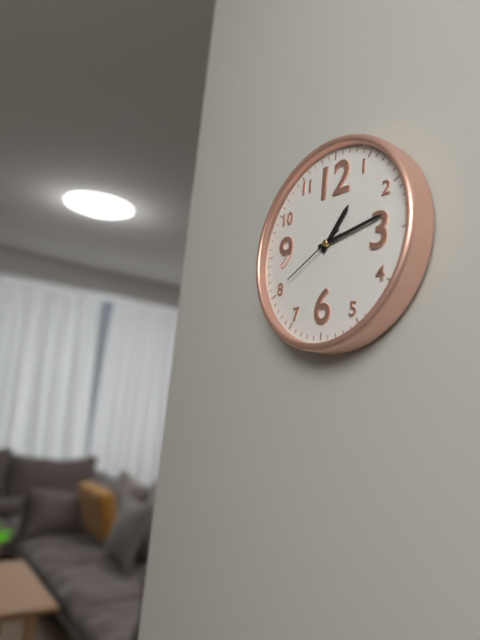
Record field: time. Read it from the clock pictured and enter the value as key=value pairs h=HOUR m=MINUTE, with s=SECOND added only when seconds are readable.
h=1 m=13 s=40
